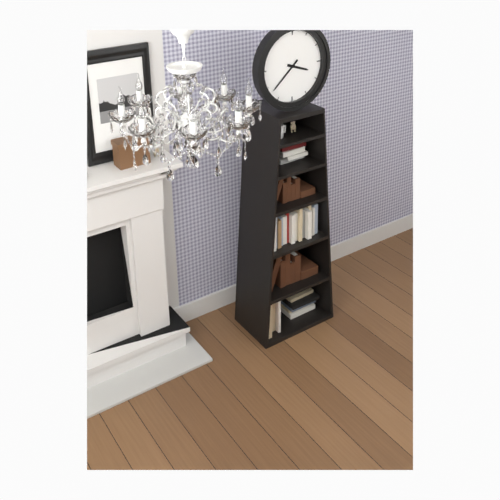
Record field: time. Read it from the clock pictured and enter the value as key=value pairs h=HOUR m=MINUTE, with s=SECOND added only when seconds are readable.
h=3 m=38
